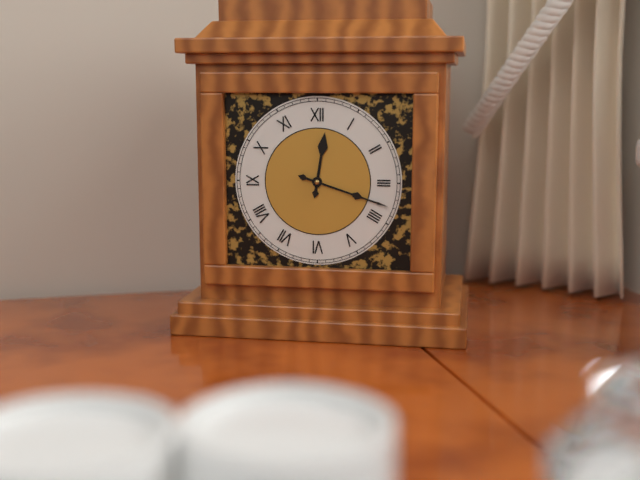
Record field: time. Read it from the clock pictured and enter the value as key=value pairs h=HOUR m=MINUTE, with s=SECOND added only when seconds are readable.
h=12 m=18
